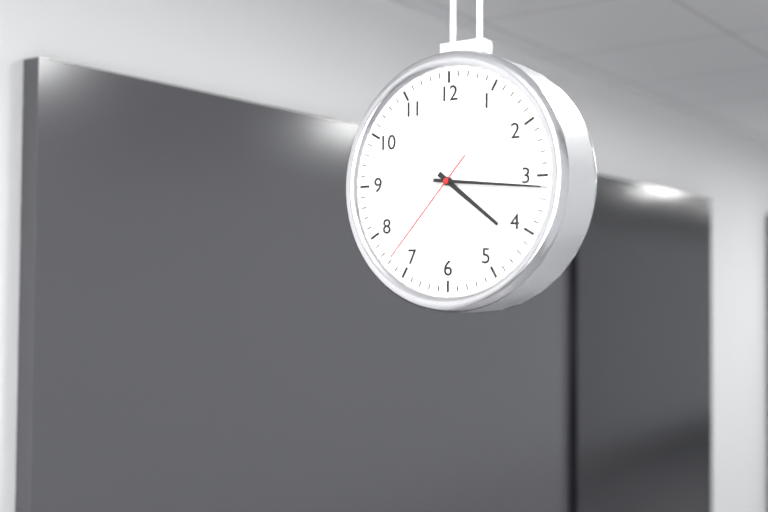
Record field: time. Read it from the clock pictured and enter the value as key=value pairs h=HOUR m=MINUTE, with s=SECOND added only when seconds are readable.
h=4 m=16 s=37
